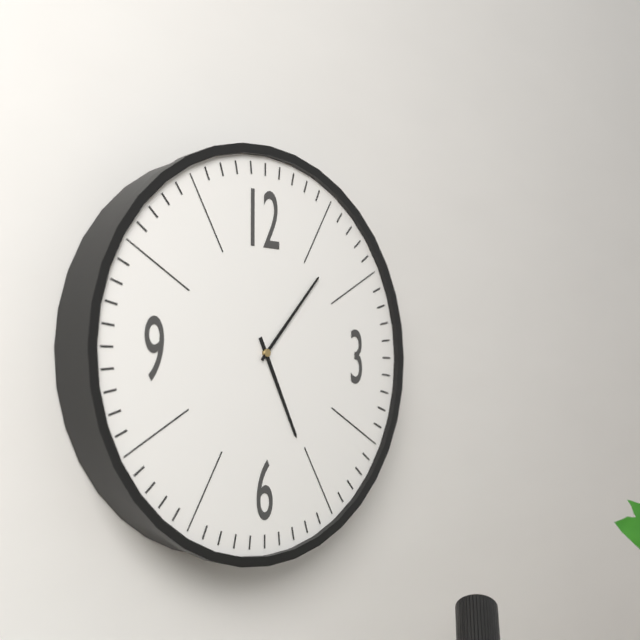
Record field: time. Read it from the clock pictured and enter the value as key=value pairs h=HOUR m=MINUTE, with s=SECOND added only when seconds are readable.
h=5 m=7
